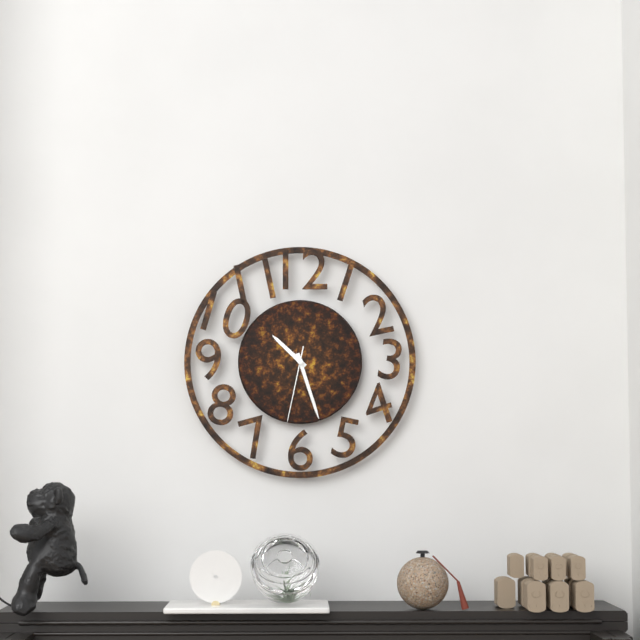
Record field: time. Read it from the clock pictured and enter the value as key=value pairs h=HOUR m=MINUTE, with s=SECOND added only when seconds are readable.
h=10 m=27 s=32
